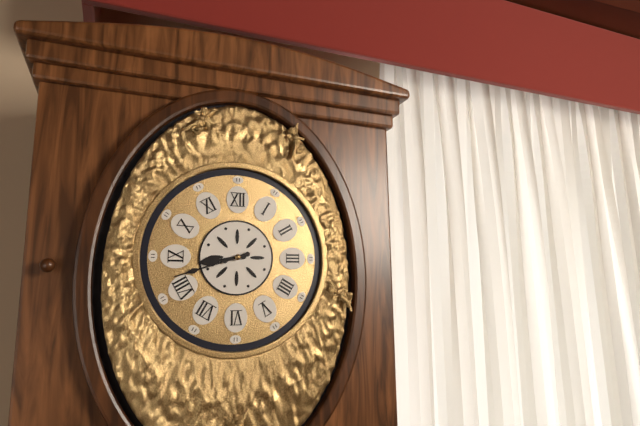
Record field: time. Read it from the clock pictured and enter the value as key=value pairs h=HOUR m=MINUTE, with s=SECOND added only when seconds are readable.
h=8 m=42
